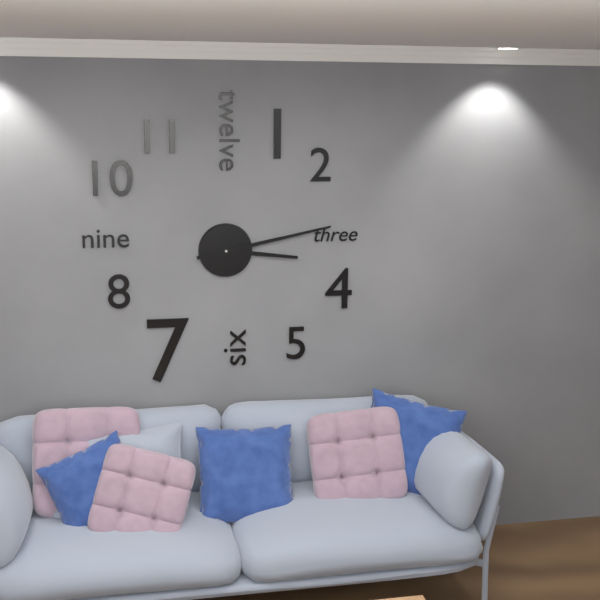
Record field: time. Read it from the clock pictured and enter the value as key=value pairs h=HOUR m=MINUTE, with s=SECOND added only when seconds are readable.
h=3 m=13
